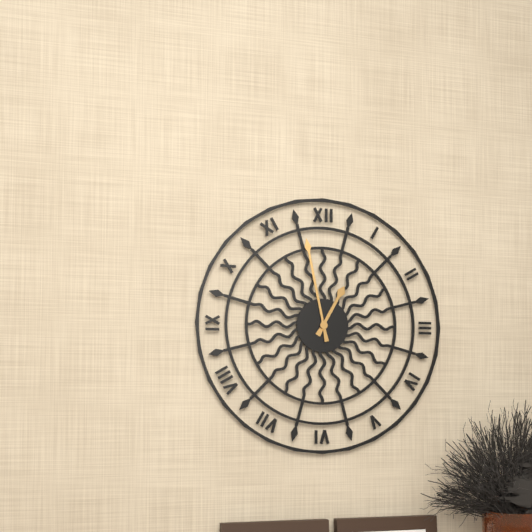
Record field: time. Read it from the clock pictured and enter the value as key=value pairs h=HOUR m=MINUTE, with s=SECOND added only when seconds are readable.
h=12 m=58
